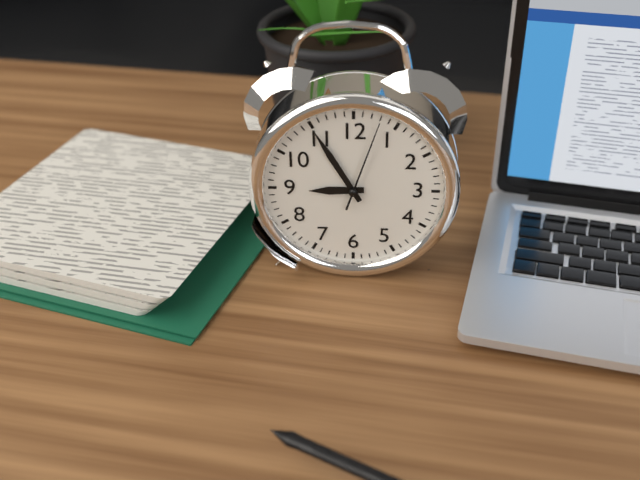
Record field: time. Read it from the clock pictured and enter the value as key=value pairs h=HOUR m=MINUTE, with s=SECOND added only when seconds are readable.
h=8 m=55 s=3
